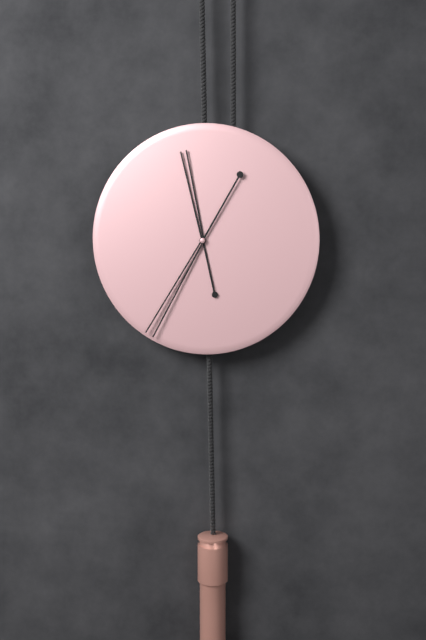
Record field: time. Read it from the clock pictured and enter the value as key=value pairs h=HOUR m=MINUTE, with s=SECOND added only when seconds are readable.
h=11 m=35
